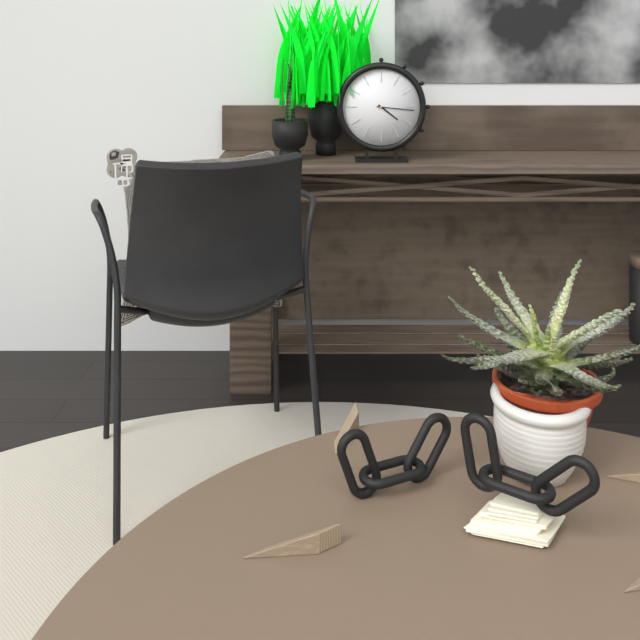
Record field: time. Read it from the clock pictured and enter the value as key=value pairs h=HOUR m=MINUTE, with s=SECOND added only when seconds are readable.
h=4 m=16
